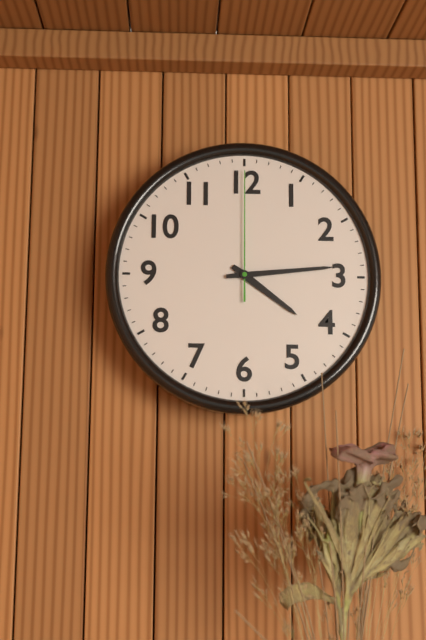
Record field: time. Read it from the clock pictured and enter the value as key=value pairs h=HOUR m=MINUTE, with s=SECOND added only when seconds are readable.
h=4 m=14 s=0
